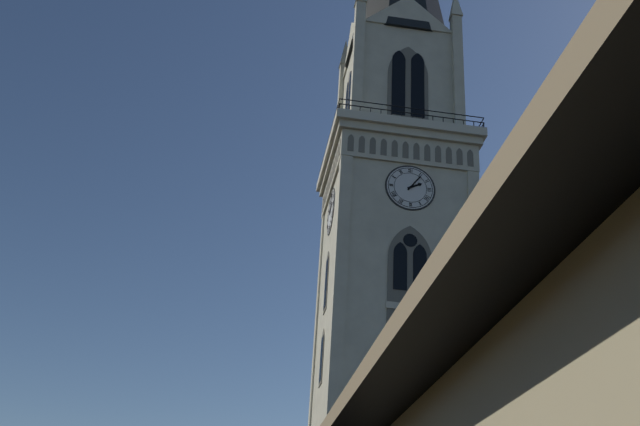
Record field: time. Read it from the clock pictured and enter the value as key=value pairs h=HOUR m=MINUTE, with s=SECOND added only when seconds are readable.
h=2 m=6
